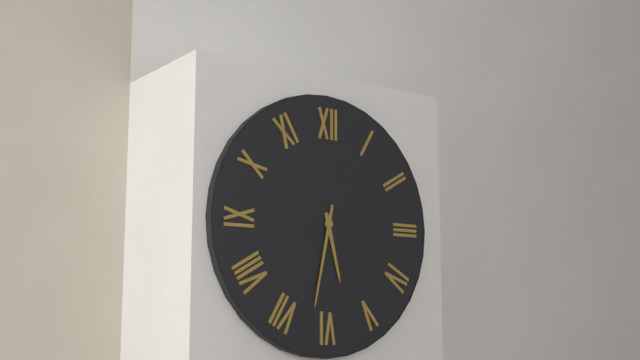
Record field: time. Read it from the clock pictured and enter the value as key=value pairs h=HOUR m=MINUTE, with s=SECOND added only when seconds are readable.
h=5 m=32
